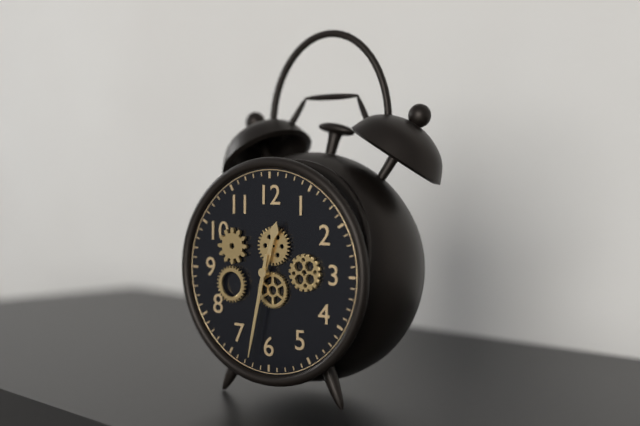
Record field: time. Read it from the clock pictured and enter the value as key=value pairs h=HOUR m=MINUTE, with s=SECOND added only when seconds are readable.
h=12 m=32
